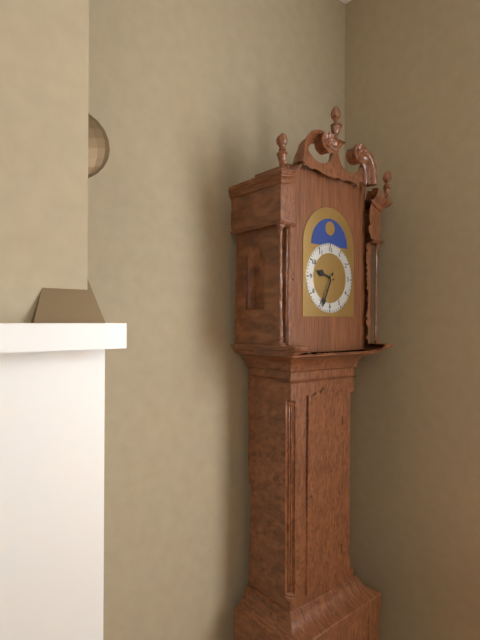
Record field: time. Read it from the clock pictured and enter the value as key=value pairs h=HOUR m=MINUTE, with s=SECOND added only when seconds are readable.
h=9 m=34
